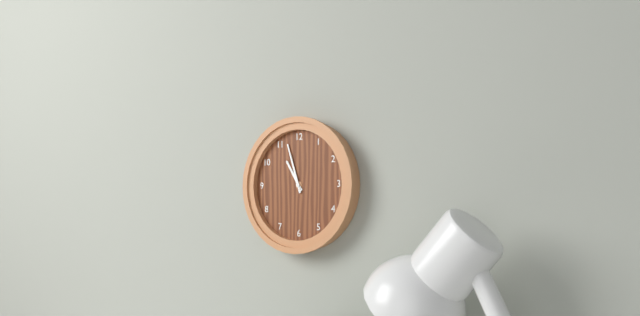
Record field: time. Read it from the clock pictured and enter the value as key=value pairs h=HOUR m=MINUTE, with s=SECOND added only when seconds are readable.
h=10 m=57
